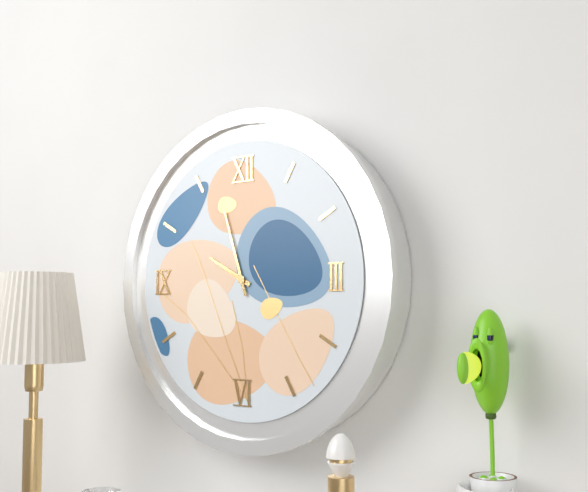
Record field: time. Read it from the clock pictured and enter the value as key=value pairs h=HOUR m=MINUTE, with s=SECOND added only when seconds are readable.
h=9 m=57
